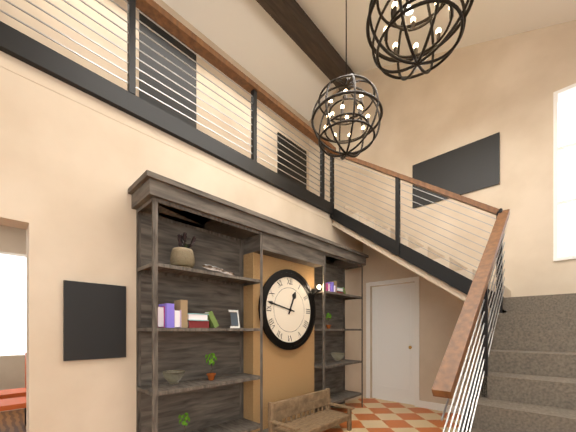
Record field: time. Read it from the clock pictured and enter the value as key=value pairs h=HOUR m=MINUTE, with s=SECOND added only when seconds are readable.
h=12 m=47
